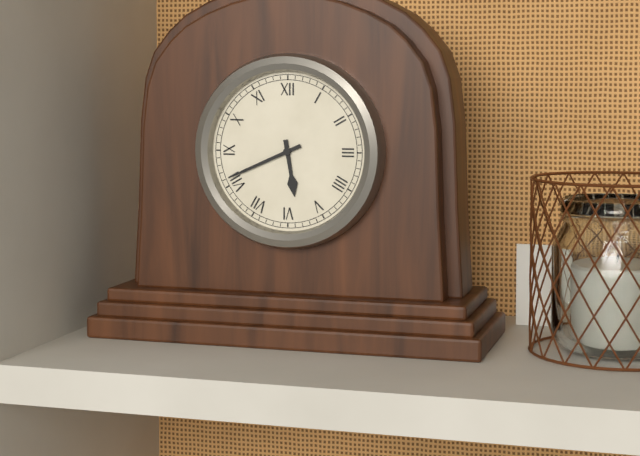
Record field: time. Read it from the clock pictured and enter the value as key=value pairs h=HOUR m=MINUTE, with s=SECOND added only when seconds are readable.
h=5 m=41
